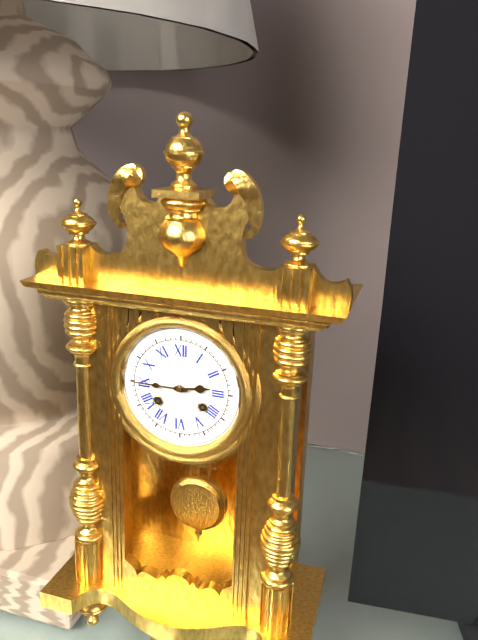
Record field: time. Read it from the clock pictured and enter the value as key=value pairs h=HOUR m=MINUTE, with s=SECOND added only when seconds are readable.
h=2 m=45
